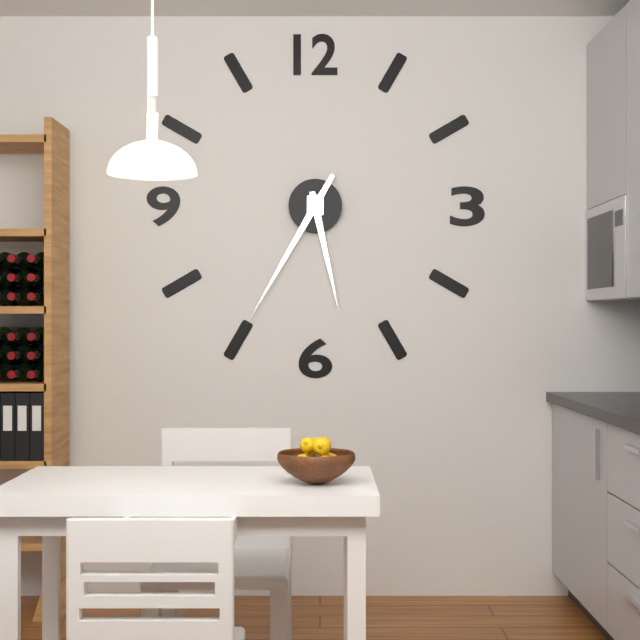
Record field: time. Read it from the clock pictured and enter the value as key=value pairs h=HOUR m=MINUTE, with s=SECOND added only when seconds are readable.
h=5 m=35
